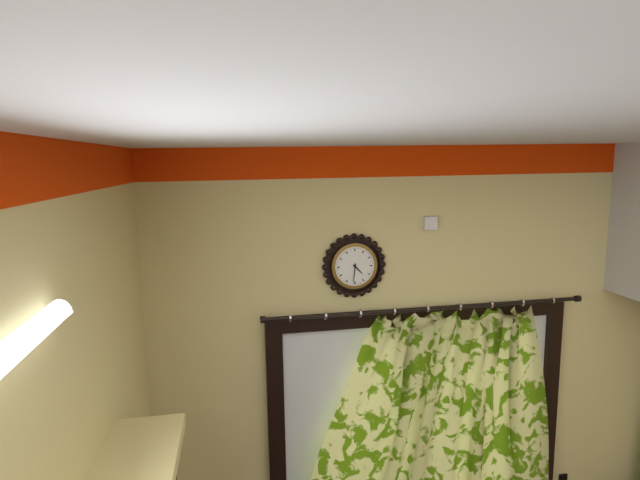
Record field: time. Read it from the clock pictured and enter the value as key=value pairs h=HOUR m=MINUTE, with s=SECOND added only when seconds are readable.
h=4 m=31
